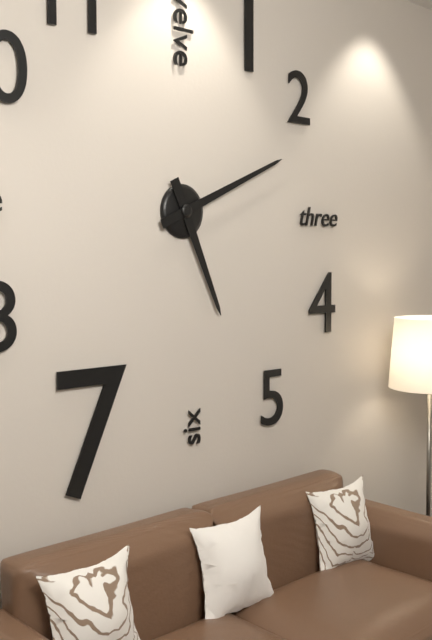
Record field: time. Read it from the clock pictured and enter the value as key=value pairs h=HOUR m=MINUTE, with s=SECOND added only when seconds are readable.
h=5 m=11
